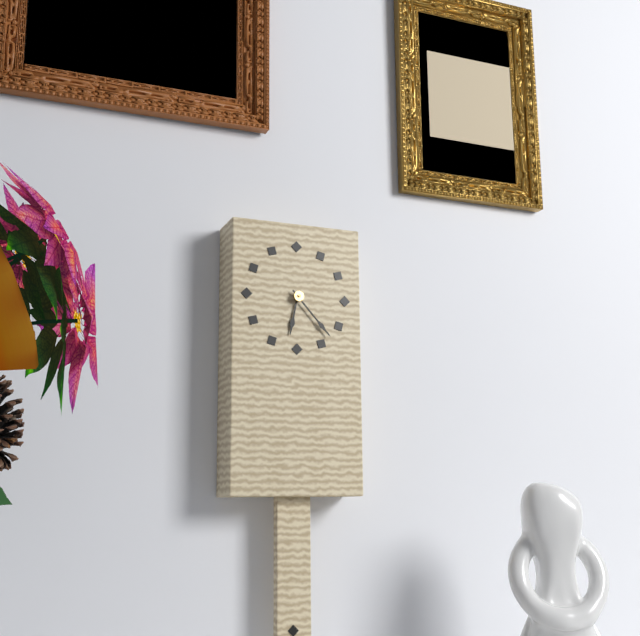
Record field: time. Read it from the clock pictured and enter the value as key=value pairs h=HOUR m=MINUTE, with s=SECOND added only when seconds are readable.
h=6 m=23
